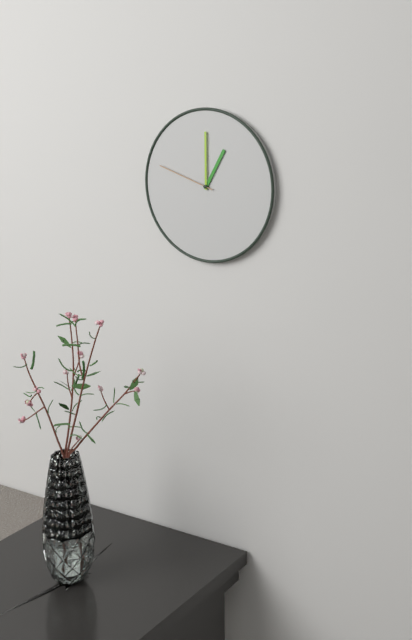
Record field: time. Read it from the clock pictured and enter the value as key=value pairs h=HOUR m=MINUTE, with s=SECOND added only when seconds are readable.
h=1 m=0 s=48
